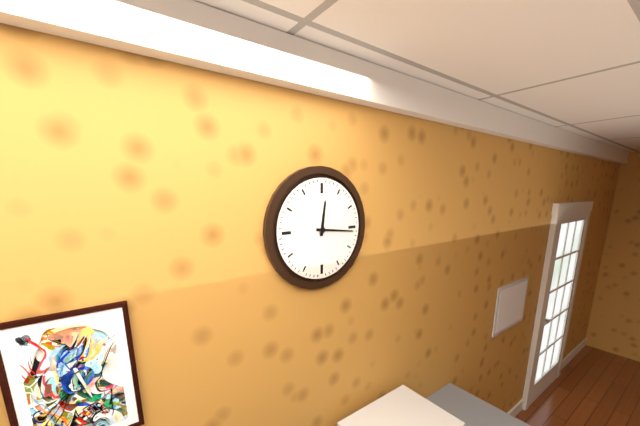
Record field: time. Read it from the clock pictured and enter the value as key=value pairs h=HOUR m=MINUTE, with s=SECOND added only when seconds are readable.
h=12 m=16
